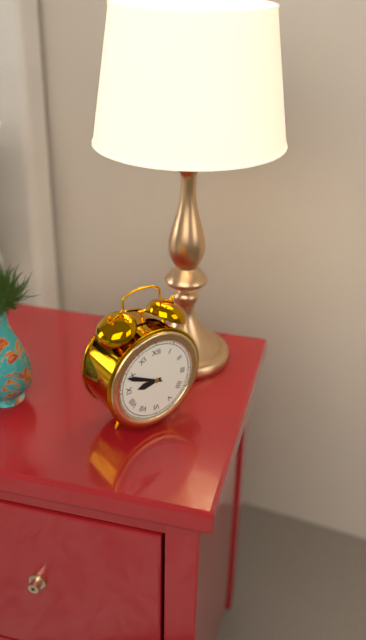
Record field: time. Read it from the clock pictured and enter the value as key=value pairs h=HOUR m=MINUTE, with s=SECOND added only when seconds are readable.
h=8 m=49
